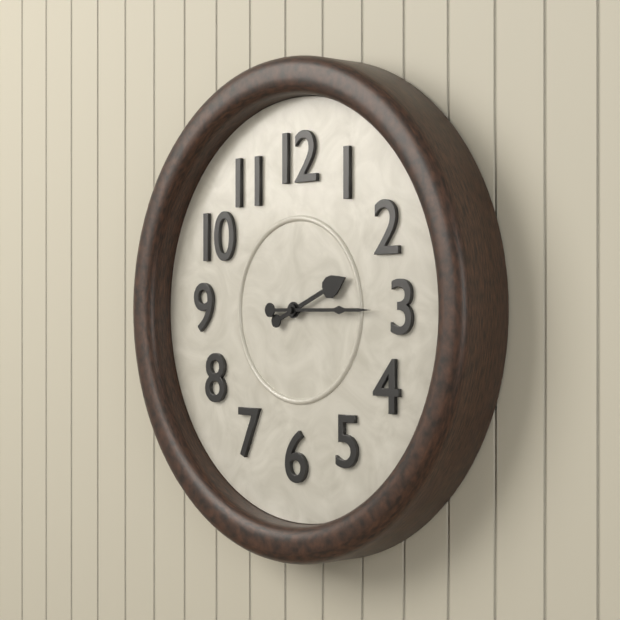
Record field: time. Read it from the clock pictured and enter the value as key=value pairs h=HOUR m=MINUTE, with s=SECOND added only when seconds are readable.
h=2 m=15
